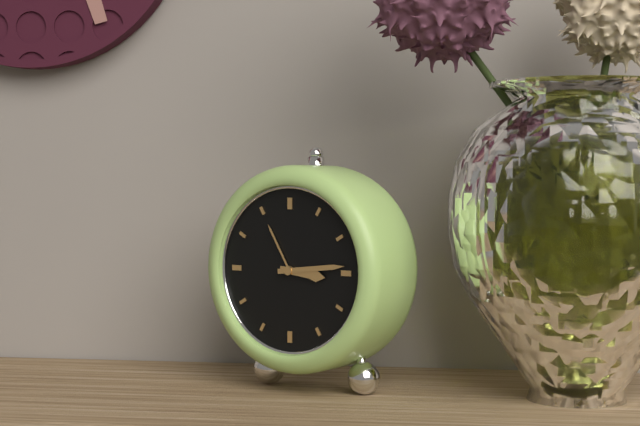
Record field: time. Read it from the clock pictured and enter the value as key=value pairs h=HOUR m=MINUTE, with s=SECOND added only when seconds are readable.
h=3 m=14
